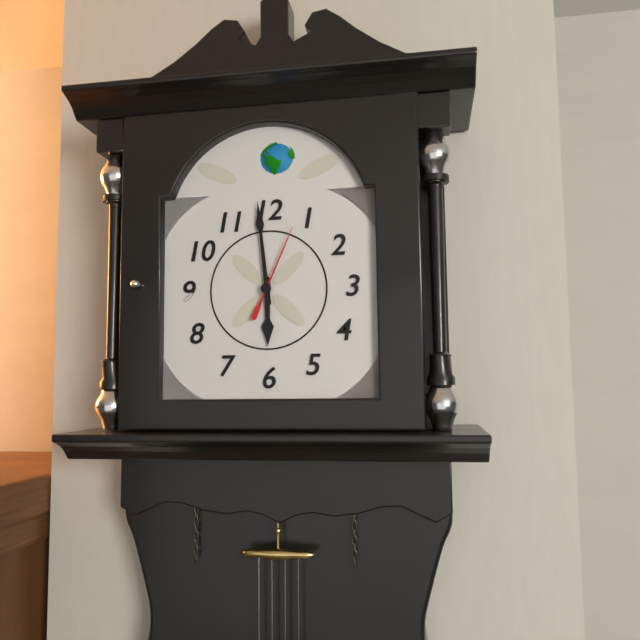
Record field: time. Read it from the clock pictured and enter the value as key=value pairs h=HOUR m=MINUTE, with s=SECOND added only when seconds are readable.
h=5 m=59 s=4
